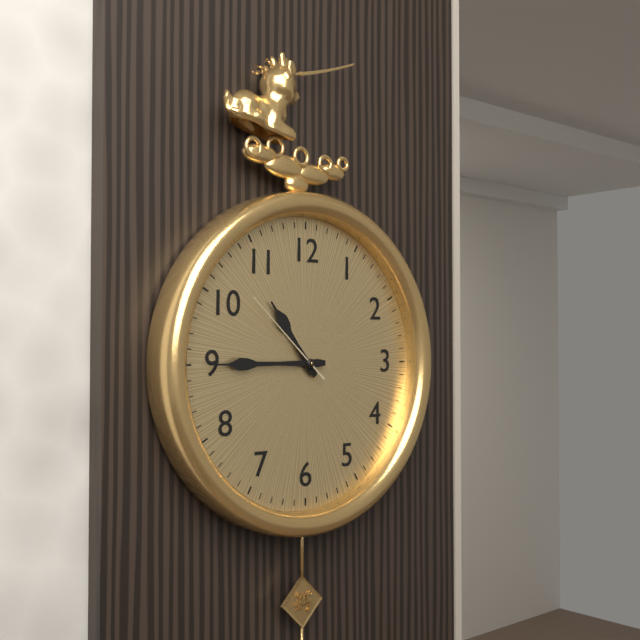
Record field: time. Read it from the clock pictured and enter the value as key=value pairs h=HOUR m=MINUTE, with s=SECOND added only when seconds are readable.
h=10 m=45 s=52
